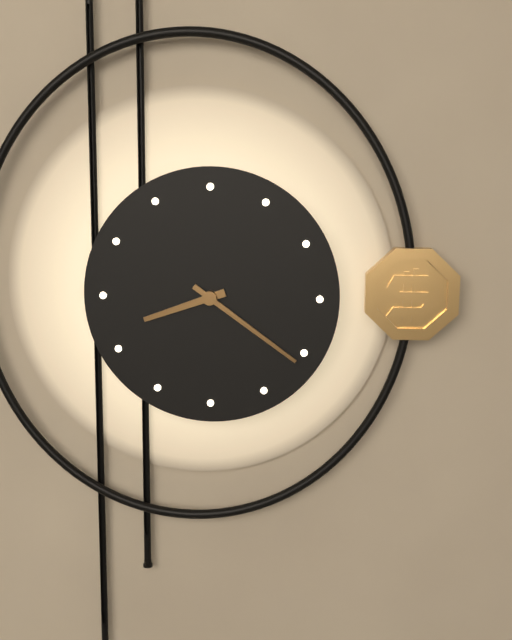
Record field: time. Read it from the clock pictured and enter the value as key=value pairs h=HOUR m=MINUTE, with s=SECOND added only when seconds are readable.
h=8 m=21
